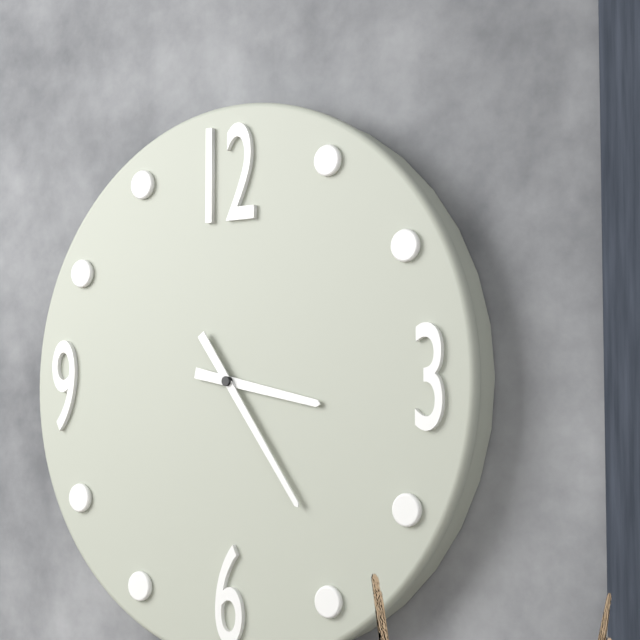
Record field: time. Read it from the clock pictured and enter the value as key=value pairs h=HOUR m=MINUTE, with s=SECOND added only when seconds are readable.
h=3 m=24
